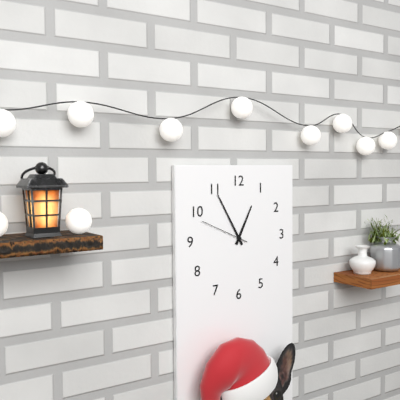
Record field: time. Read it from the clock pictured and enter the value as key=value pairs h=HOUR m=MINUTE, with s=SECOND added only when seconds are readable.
h=12 m=55 s=49
